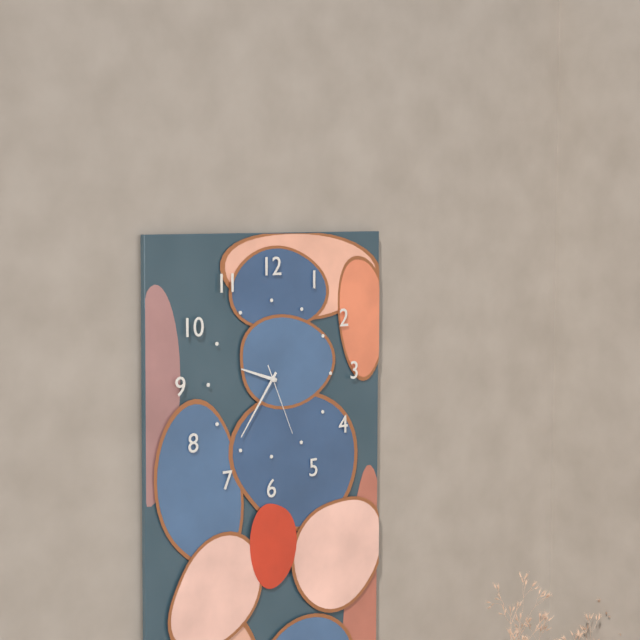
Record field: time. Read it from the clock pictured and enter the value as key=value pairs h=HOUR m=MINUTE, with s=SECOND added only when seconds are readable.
h=9 m=36 s=26
